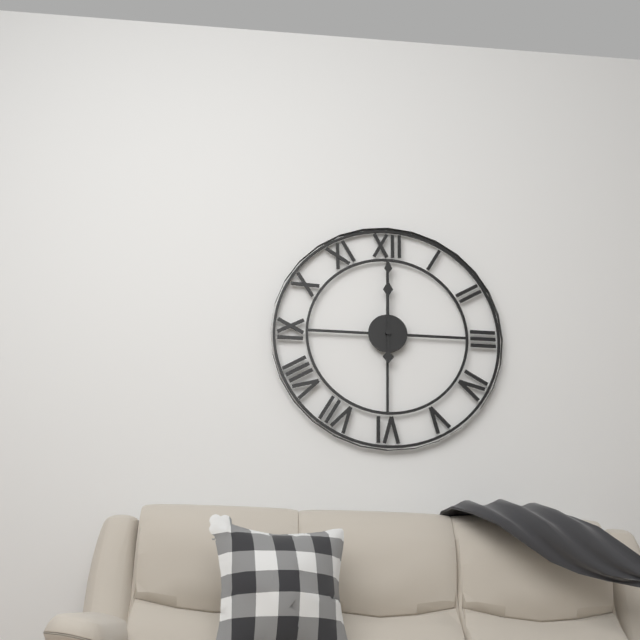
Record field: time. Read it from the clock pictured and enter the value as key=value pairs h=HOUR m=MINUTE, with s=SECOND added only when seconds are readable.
h=12 m=0
